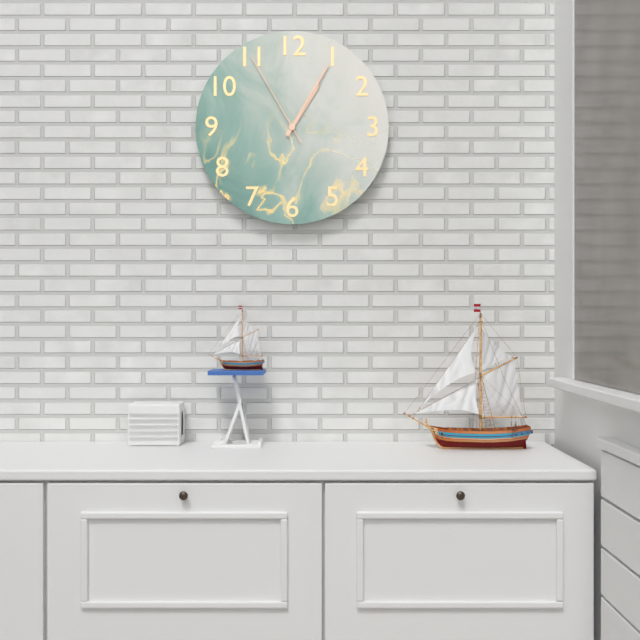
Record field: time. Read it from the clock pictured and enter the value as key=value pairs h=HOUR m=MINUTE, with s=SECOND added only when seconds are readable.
h=1 m=5 s=55
